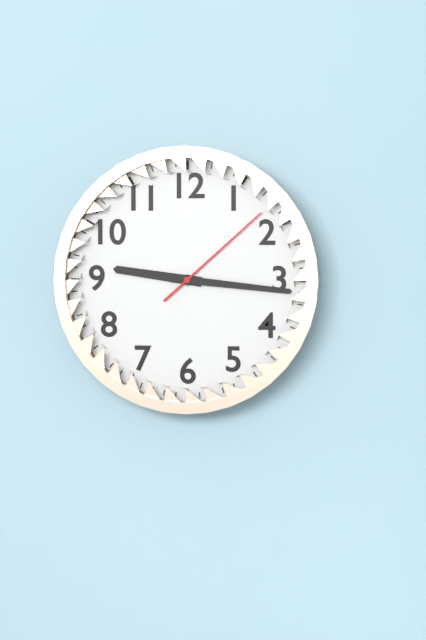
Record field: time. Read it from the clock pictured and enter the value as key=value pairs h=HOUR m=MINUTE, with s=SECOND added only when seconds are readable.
h=9 m=16 s=8
